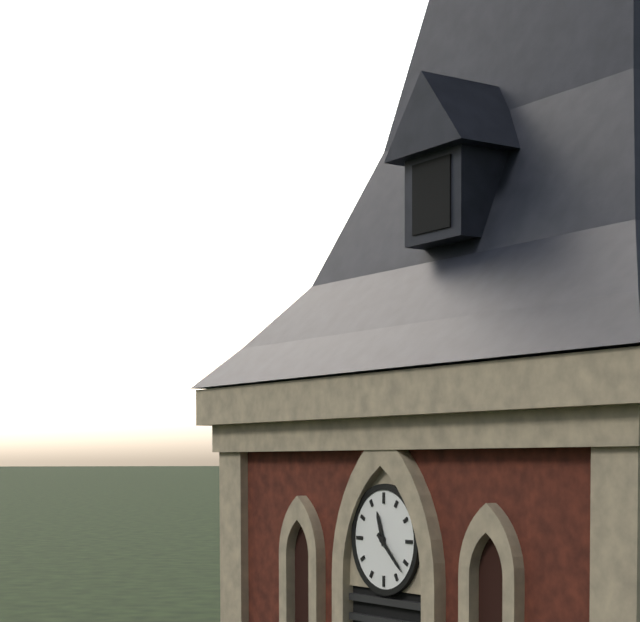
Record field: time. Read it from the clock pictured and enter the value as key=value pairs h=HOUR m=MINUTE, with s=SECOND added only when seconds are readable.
h=11 m=22
